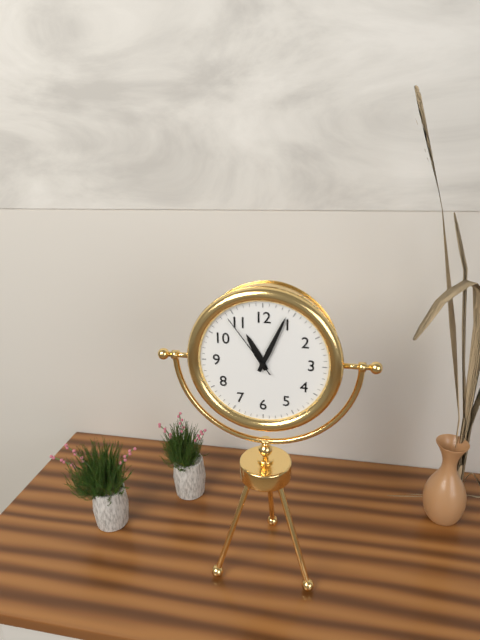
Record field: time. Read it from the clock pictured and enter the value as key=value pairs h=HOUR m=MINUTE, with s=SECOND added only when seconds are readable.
h=11 m=4 s=54
